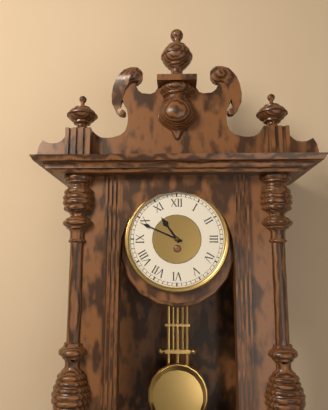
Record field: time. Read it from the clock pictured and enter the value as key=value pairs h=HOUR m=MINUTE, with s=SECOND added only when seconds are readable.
h=10 m=49
